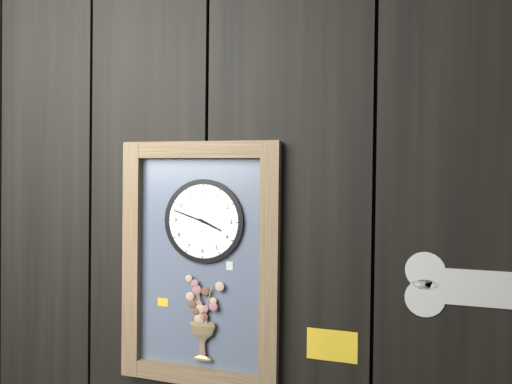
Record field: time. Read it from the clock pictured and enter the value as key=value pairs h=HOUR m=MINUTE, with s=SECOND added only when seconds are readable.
h=3 m=48
